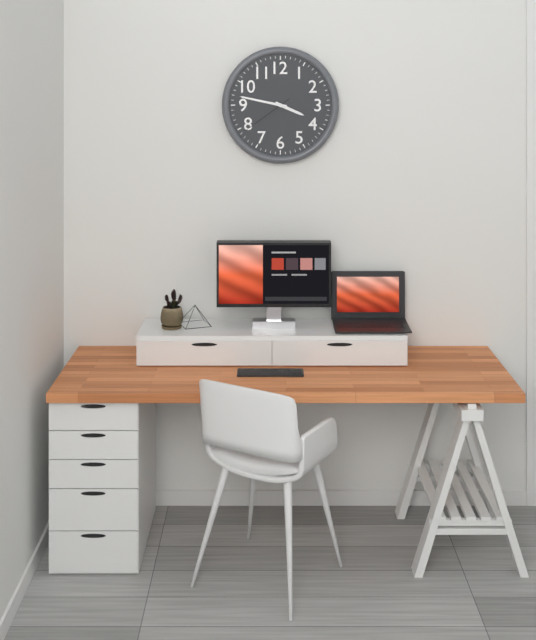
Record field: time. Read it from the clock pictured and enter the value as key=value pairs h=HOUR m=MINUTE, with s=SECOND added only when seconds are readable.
h=3 m=47 s=39
